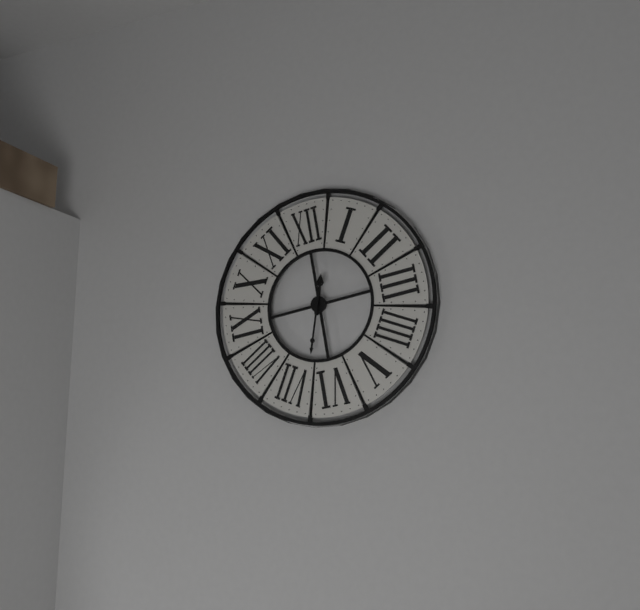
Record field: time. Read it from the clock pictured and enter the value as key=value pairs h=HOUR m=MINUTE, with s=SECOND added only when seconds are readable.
h=12 m=33
